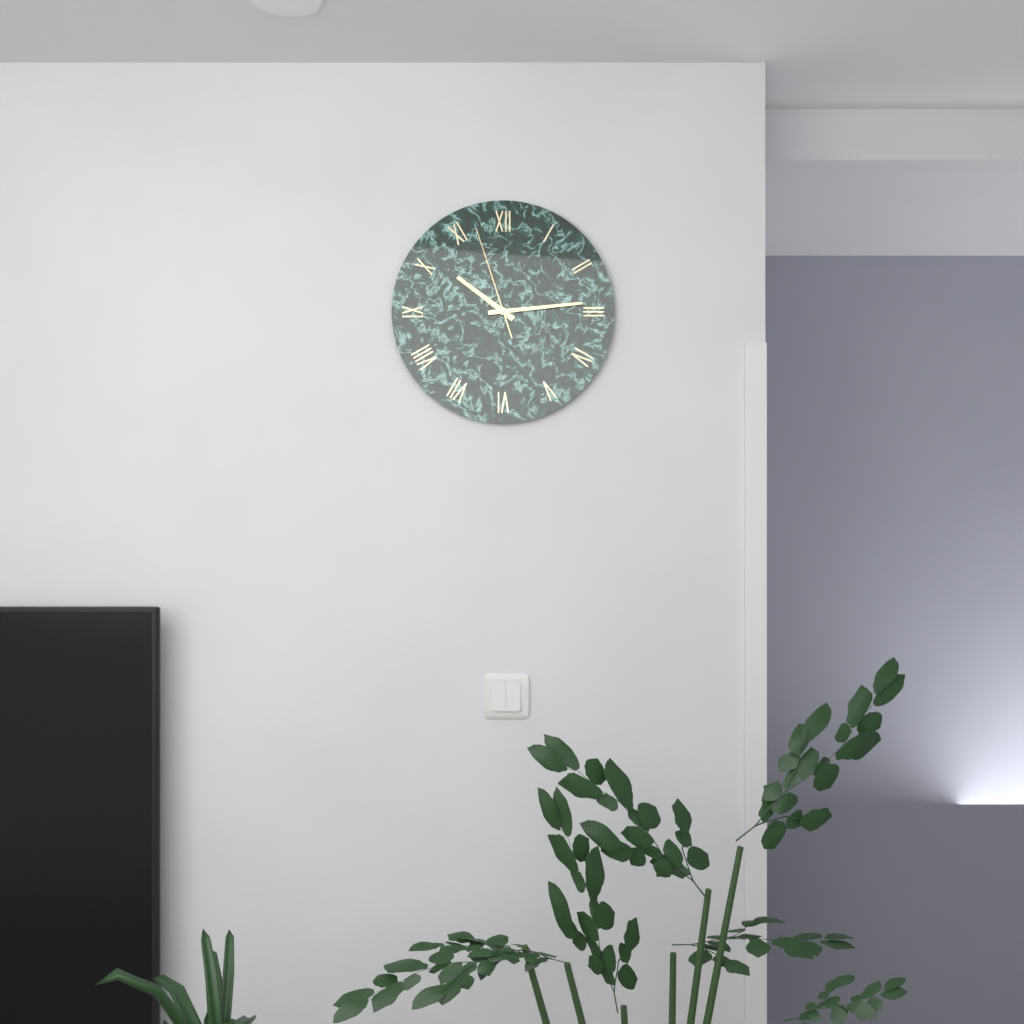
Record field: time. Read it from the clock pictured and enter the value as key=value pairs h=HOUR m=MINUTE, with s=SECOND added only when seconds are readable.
h=10 m=14 s=57
